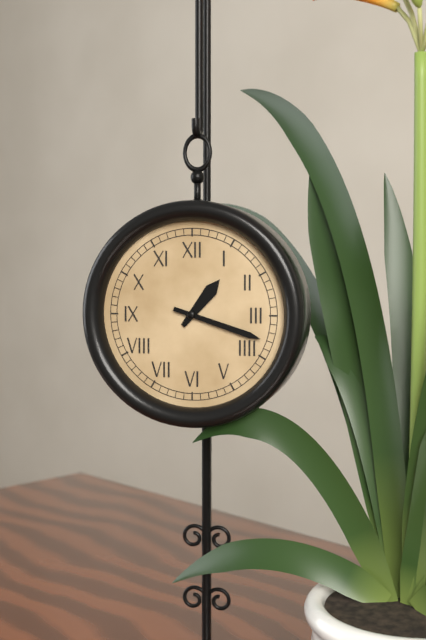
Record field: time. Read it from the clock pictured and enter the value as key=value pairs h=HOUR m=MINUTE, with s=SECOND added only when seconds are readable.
h=1 m=18
